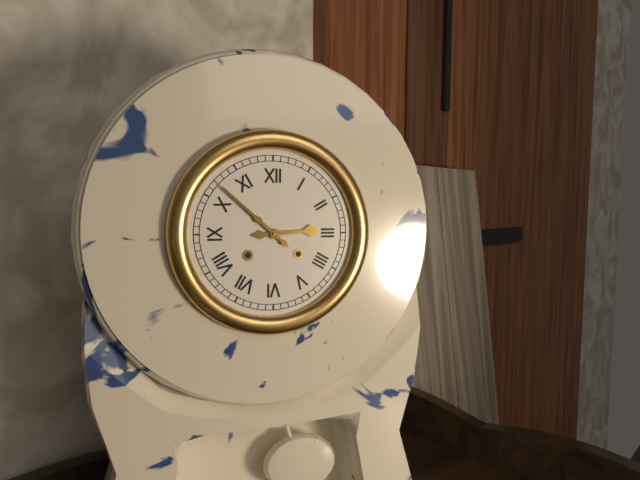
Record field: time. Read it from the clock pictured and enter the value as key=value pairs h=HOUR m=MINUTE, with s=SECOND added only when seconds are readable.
h=2 m=52
